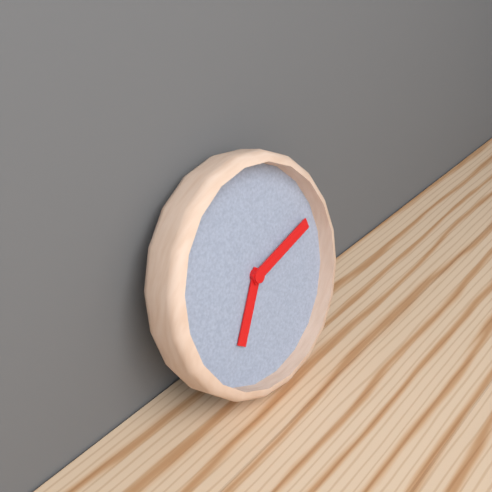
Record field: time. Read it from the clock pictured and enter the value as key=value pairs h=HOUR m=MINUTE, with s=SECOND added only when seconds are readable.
h=7 m=13
